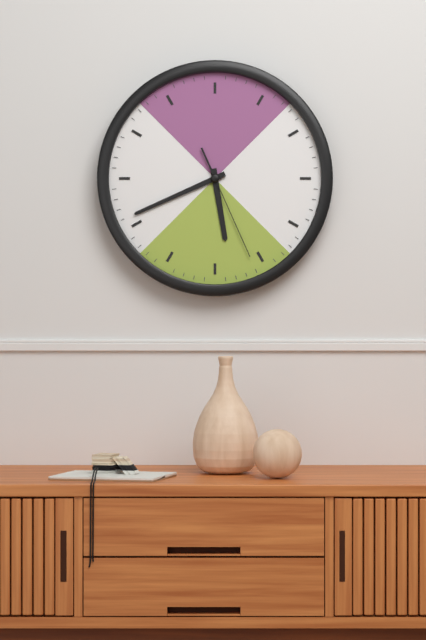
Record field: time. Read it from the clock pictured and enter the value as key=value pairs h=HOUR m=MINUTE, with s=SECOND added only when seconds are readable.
h=5 m=41 s=26
